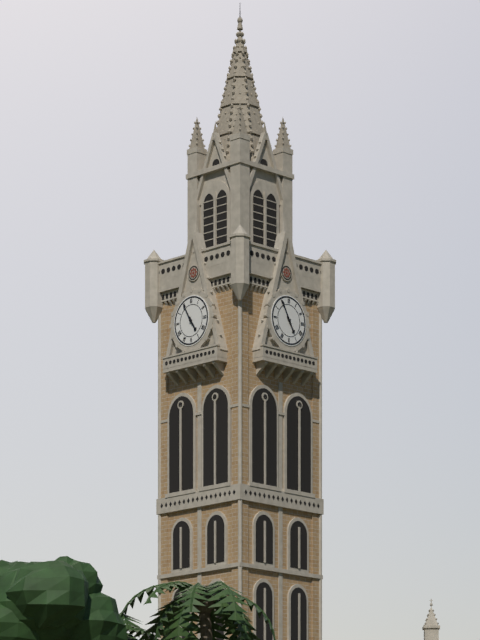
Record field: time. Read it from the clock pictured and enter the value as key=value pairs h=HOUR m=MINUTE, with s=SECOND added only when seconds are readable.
h=4 m=55
